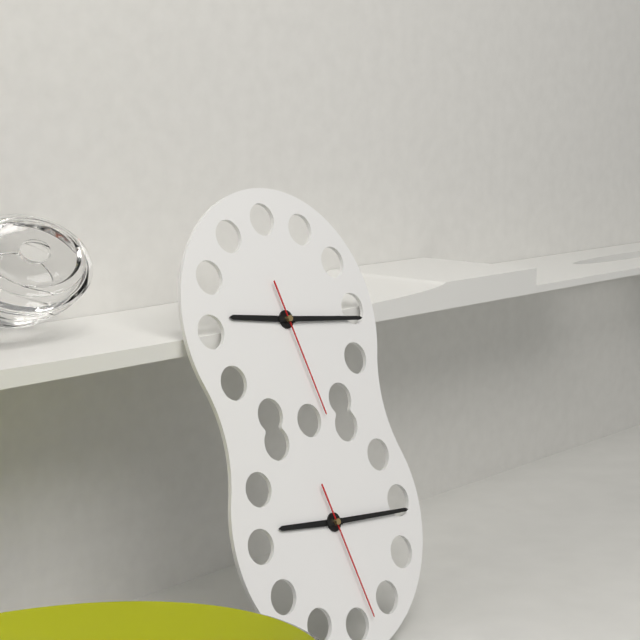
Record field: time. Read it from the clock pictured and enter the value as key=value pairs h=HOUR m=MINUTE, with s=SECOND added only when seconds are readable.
h=9 m=16 s=28
